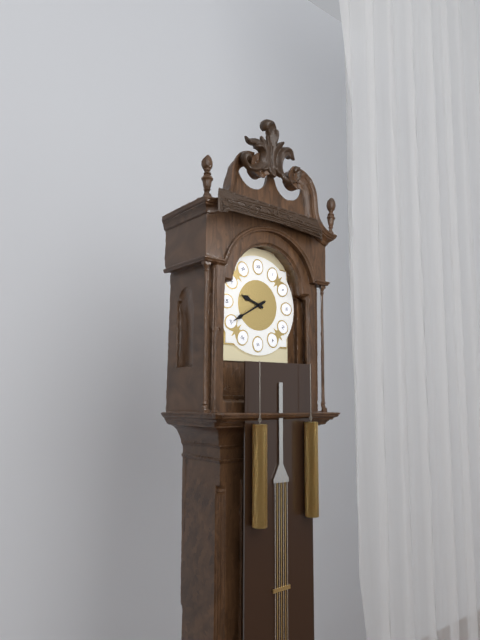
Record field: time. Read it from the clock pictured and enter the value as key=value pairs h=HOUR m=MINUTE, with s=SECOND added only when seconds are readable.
h=9 m=40
